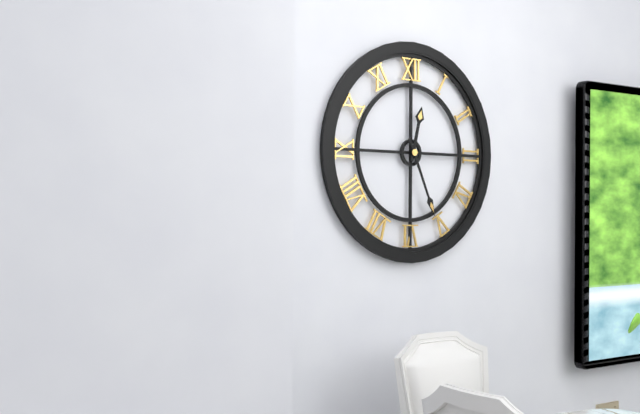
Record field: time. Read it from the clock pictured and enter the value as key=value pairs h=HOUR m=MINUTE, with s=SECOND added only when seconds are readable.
h=12 m=26
